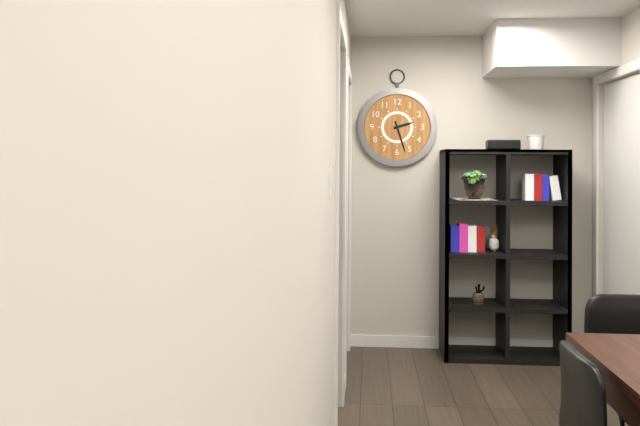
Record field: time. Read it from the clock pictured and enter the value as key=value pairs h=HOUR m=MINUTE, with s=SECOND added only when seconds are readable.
h=2 m=27
